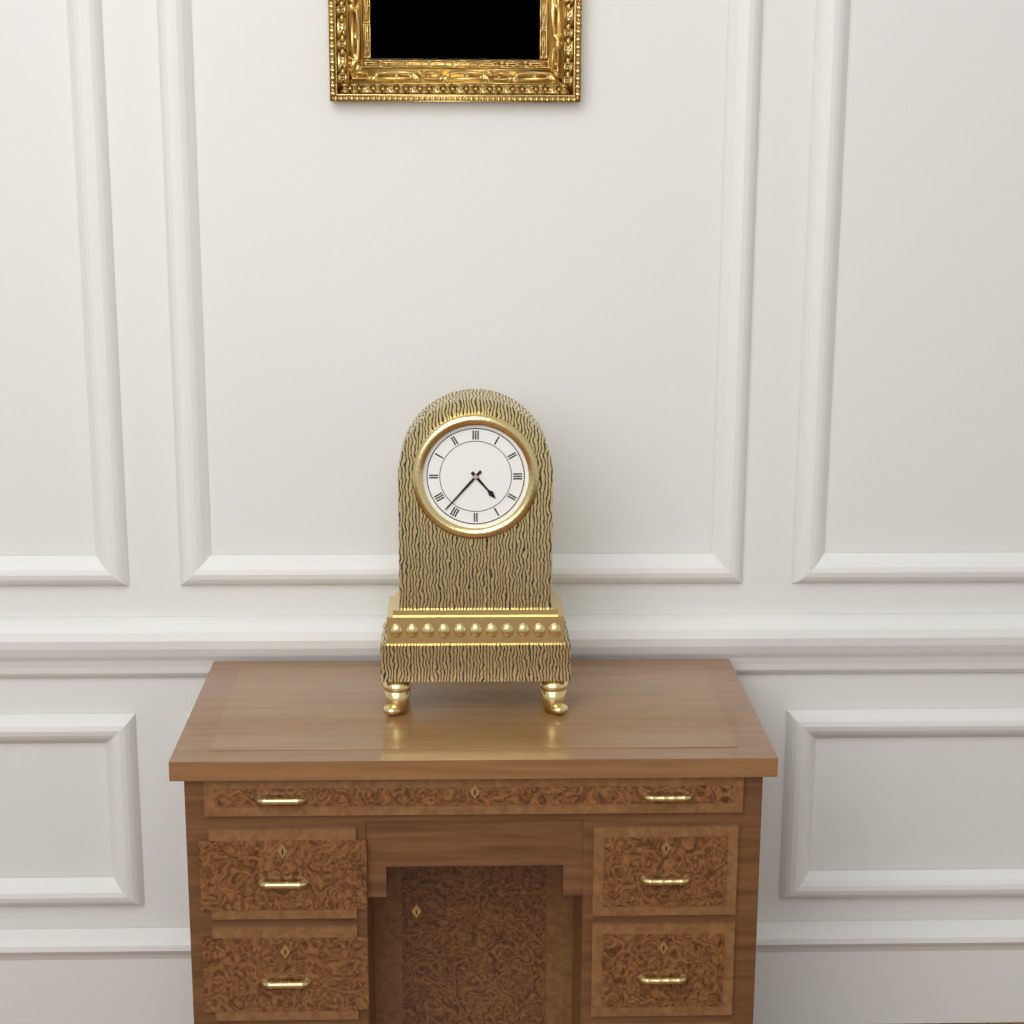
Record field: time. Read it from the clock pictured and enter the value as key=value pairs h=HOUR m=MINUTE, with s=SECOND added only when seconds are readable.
h=4 m=37
